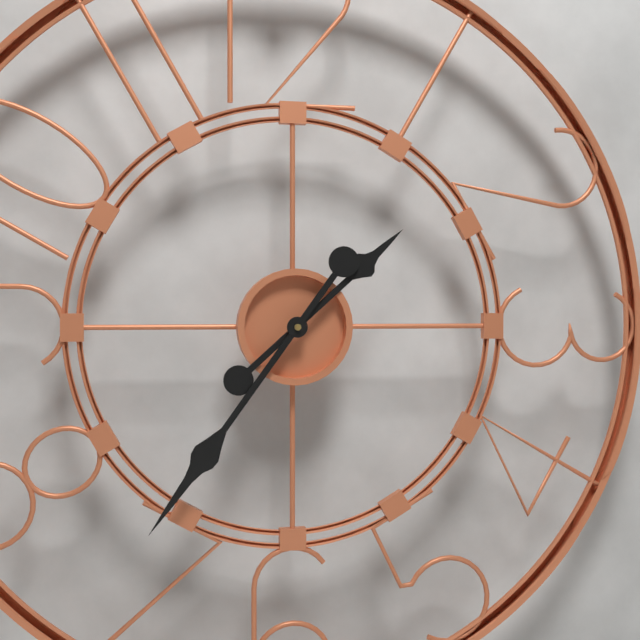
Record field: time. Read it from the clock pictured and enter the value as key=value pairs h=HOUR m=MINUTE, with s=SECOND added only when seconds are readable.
h=1 m=36
